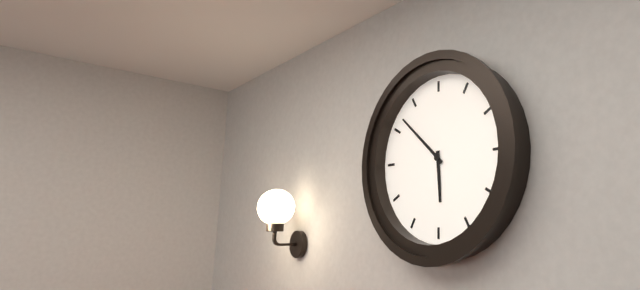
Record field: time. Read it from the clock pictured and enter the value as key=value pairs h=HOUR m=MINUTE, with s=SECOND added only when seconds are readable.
h=5 m=52
